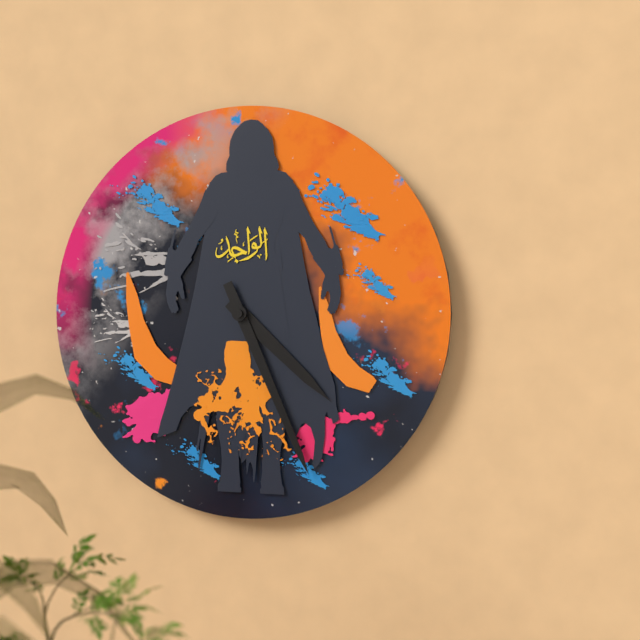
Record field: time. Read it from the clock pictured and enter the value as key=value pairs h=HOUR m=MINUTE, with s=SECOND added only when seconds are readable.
h=4 m=26
